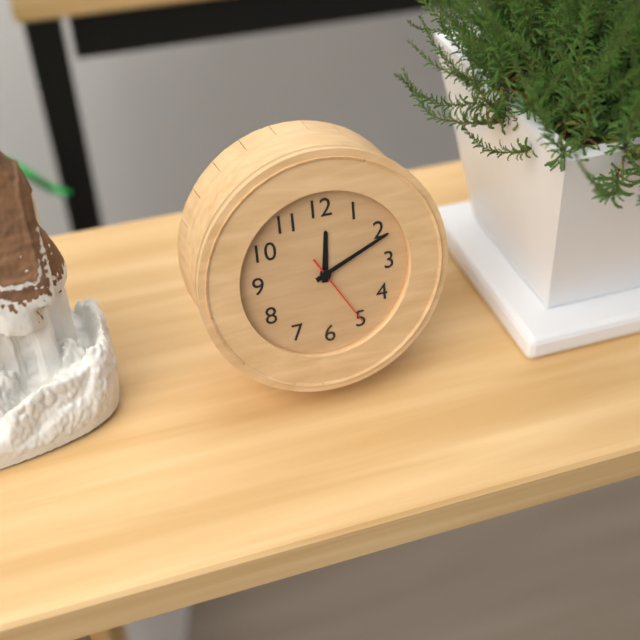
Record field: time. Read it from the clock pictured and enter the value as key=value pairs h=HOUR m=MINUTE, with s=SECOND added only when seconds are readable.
h=12 m=11 s=25
